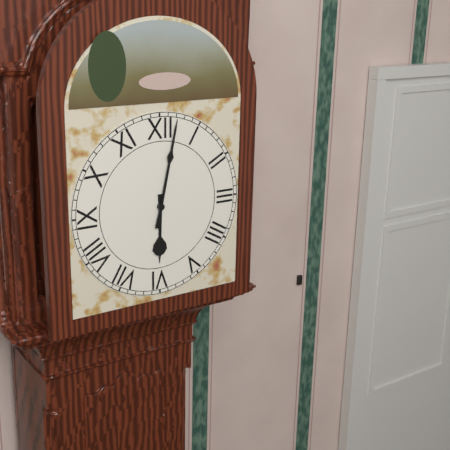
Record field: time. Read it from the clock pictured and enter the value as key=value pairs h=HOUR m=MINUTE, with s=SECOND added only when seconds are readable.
h=6 m=2
